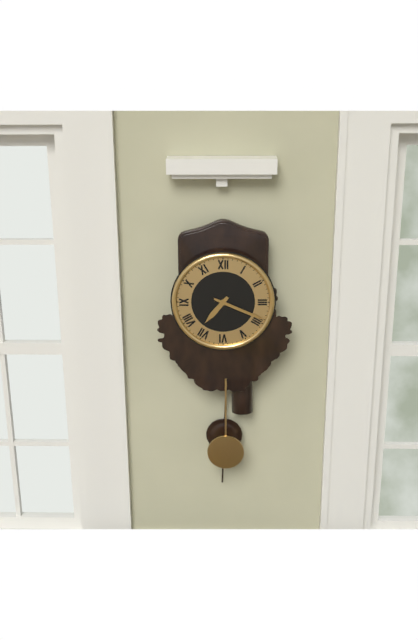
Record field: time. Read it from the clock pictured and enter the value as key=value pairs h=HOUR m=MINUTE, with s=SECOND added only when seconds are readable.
h=7 m=19
